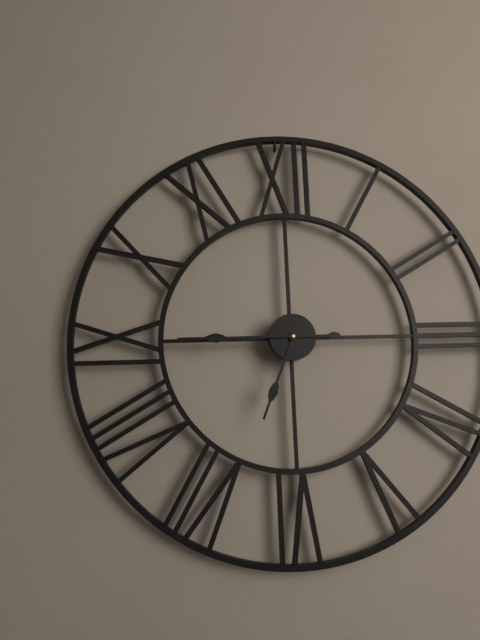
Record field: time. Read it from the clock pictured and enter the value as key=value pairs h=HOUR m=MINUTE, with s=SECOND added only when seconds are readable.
h=6 m=45
